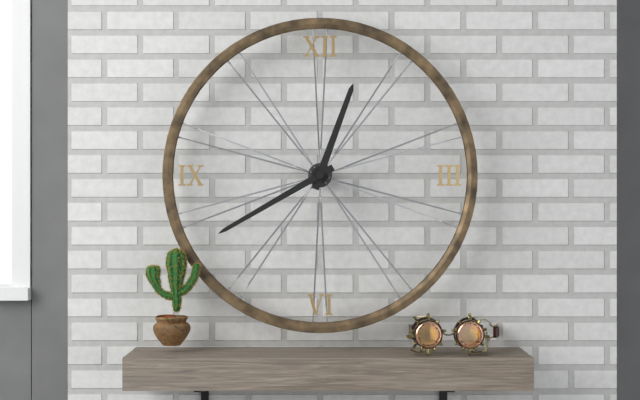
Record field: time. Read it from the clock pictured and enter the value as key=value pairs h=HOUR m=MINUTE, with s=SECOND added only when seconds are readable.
h=12 m=40
